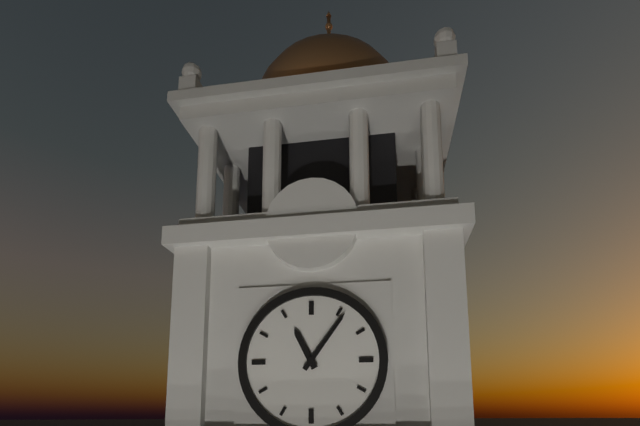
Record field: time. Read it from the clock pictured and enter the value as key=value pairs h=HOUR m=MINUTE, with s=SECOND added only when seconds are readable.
h=11 m=6
